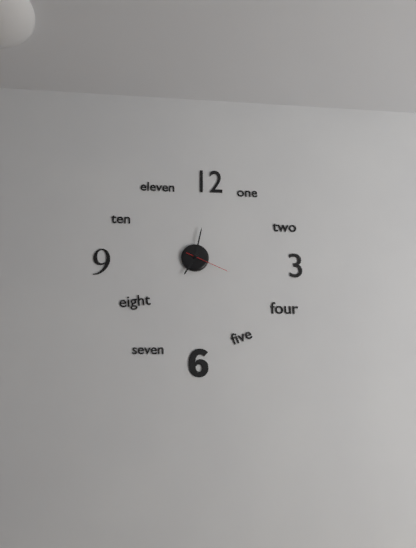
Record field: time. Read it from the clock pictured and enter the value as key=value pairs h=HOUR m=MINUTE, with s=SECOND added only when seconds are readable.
h=7 m=2
